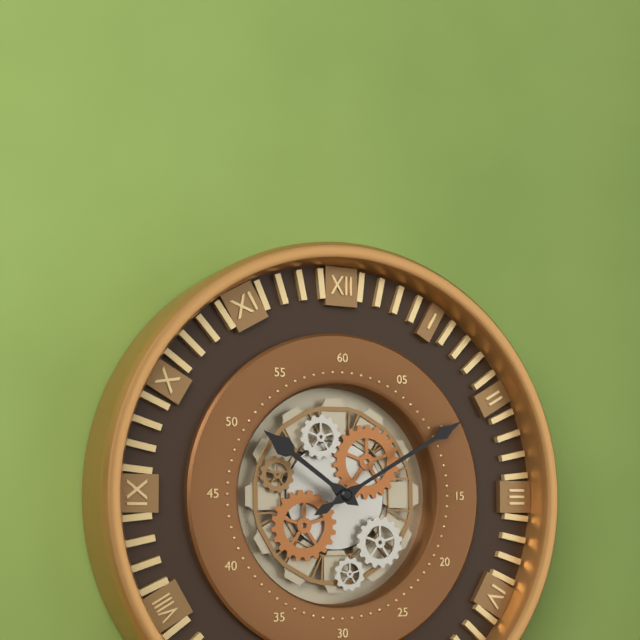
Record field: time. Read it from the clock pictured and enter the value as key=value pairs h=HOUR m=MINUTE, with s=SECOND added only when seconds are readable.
h=10 m=10
